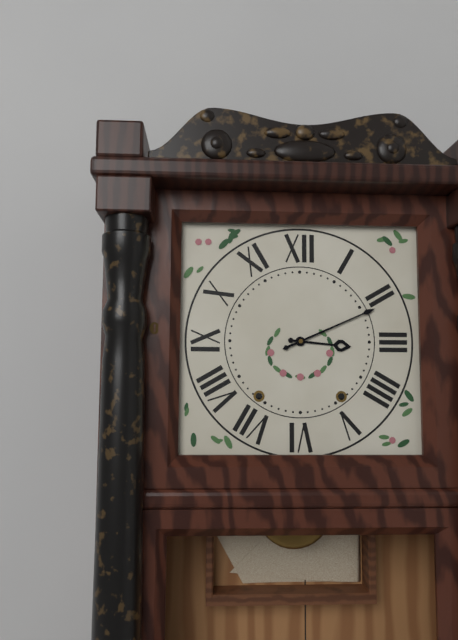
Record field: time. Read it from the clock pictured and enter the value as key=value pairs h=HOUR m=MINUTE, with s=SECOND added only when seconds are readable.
h=3 m=11
